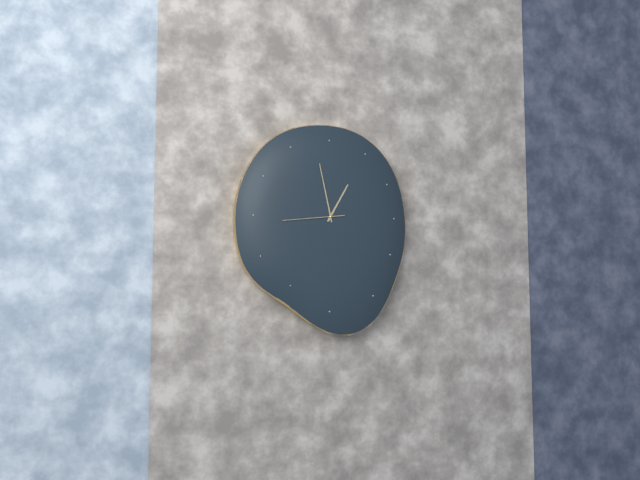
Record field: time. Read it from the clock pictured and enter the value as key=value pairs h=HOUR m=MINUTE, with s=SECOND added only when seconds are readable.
h=12 m=58 s=44
